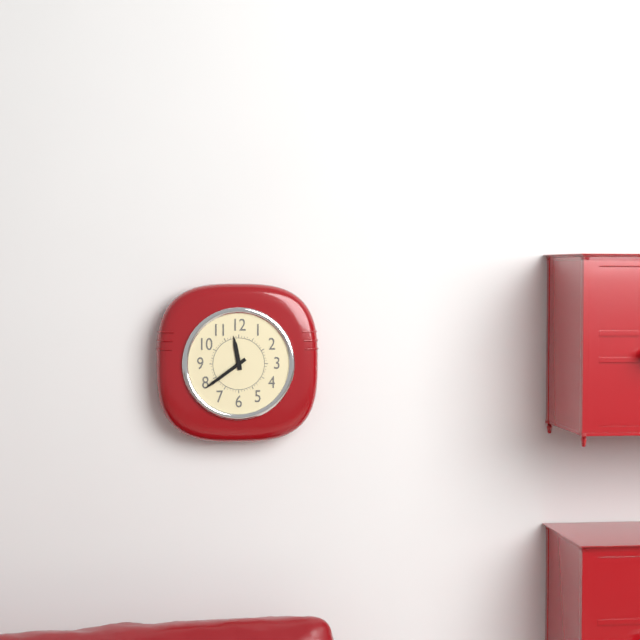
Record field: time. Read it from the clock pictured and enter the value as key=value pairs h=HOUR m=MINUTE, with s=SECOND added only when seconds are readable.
h=11 m=39
